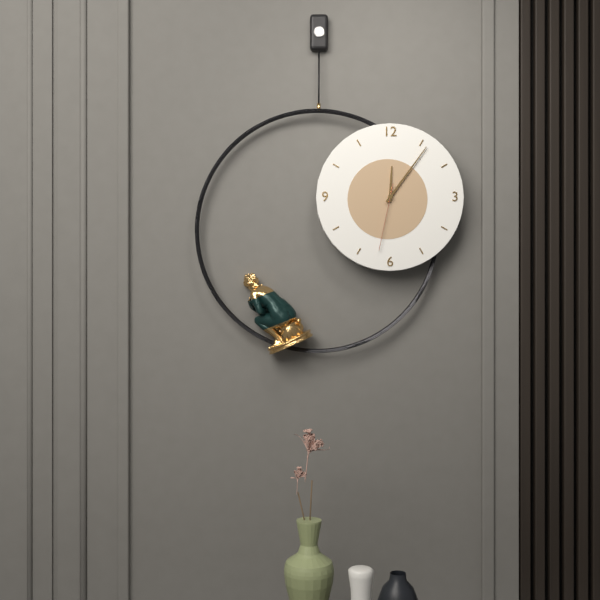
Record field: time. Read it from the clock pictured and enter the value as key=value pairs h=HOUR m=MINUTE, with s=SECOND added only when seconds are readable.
h=12 m=6 s=32
